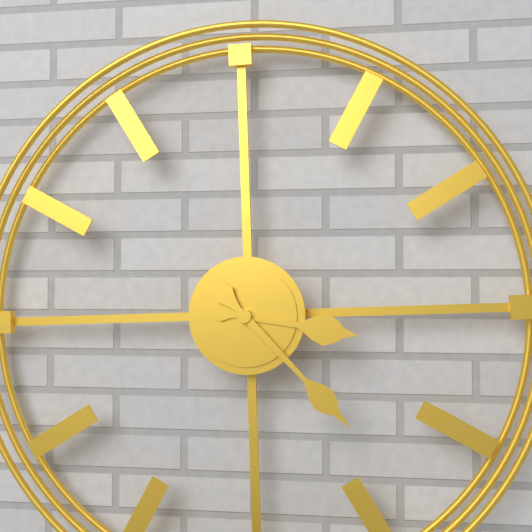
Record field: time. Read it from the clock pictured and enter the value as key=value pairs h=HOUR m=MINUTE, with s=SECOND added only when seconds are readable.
h=3 m=23
